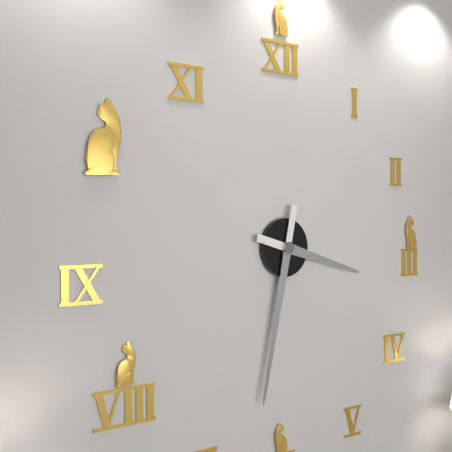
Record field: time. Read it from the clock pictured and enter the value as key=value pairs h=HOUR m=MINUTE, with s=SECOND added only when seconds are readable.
h=3 m=32
